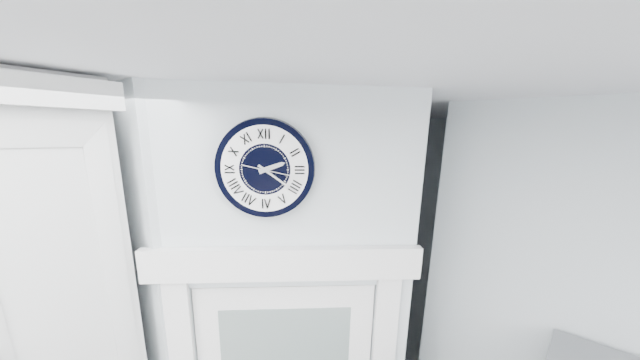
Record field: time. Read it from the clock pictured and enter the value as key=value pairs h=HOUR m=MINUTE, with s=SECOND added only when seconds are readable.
h=2 m=21 s=17
